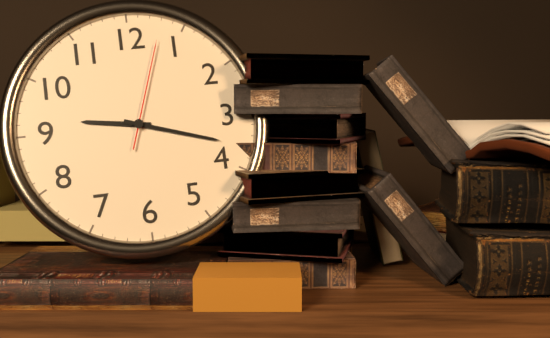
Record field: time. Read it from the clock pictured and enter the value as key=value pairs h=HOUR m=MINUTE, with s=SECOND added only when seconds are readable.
h=9 m=18 s=3
